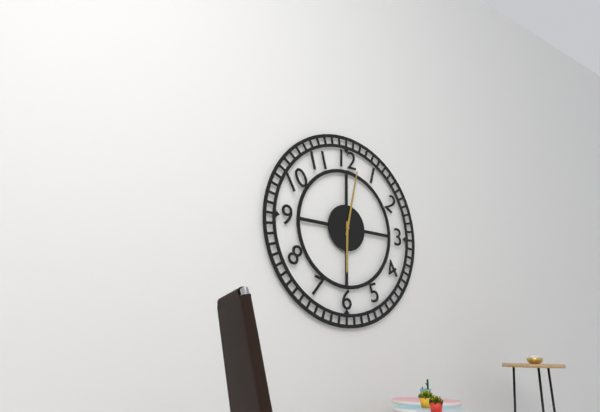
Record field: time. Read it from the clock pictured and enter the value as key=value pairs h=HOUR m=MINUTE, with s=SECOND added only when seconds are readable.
h=6 m=2
